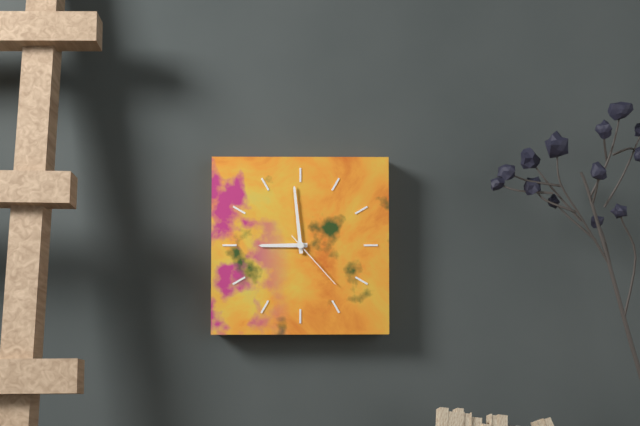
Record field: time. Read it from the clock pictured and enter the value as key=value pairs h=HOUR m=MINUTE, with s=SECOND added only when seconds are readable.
h=8 m=59 s=23
